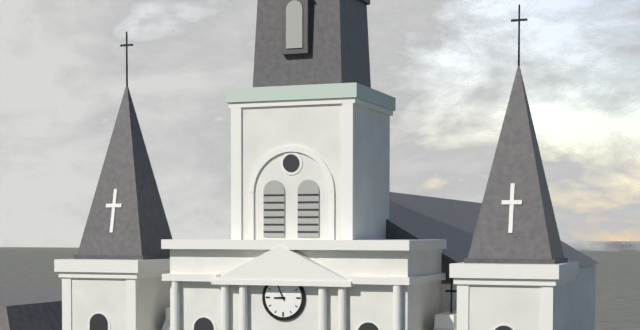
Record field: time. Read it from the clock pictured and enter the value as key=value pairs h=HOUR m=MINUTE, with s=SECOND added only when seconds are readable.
h=8 m=56
